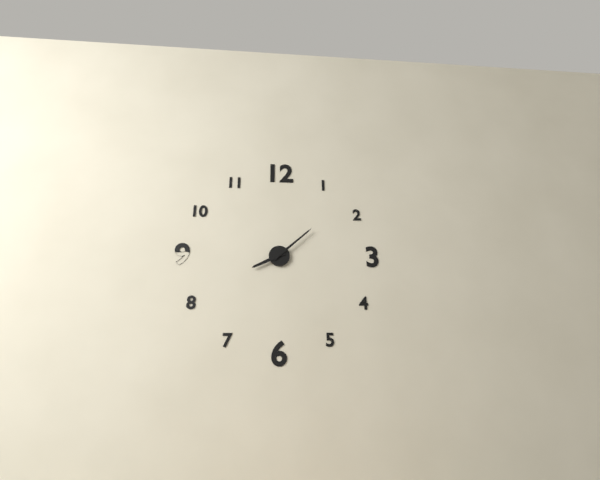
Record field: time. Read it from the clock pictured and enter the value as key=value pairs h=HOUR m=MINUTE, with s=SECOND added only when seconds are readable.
h=8 m=8
